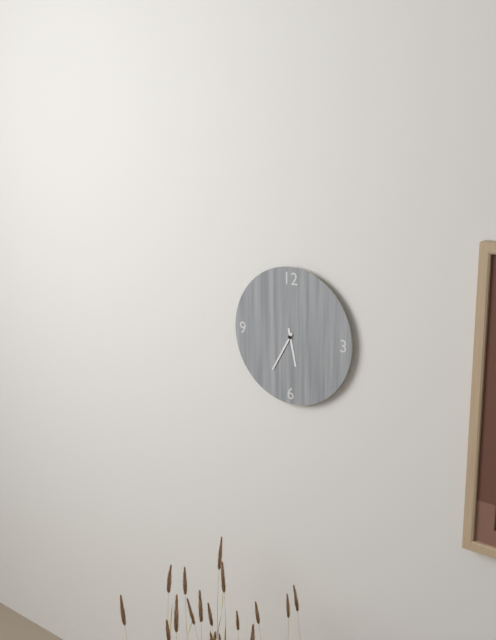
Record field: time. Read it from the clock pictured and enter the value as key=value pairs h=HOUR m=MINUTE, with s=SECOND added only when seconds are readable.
h=5 m=35
